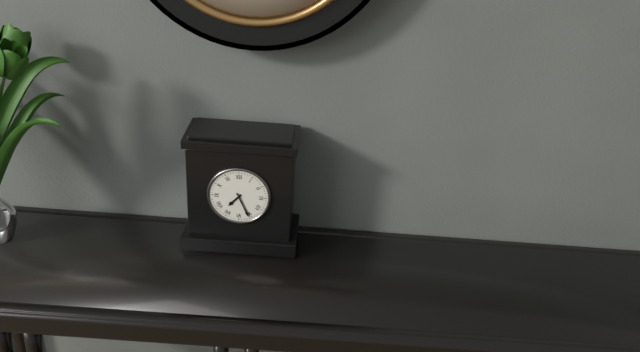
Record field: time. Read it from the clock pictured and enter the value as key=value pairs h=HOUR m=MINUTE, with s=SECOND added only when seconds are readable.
h=7 m=26
